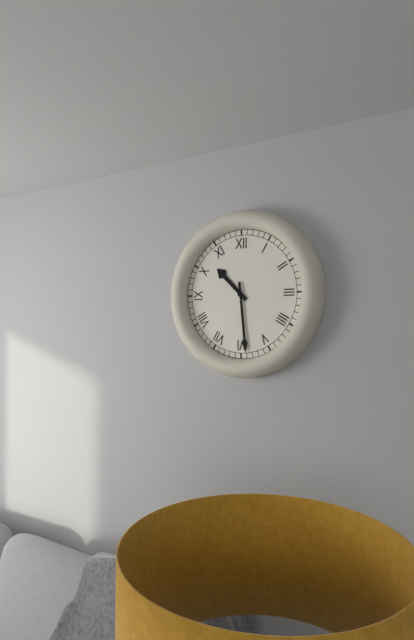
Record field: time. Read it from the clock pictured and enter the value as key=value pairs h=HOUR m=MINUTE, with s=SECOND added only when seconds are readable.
h=10 m=29
